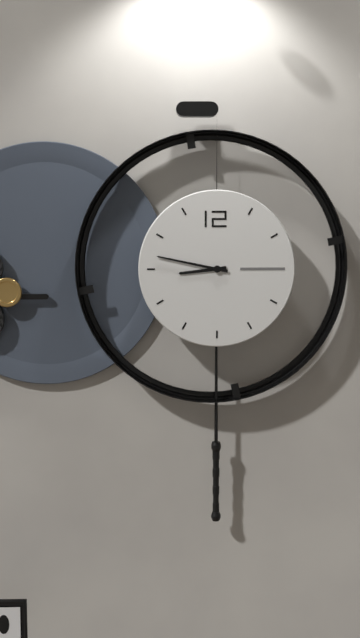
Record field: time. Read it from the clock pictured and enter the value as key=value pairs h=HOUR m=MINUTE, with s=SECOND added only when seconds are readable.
h=8 m=47
